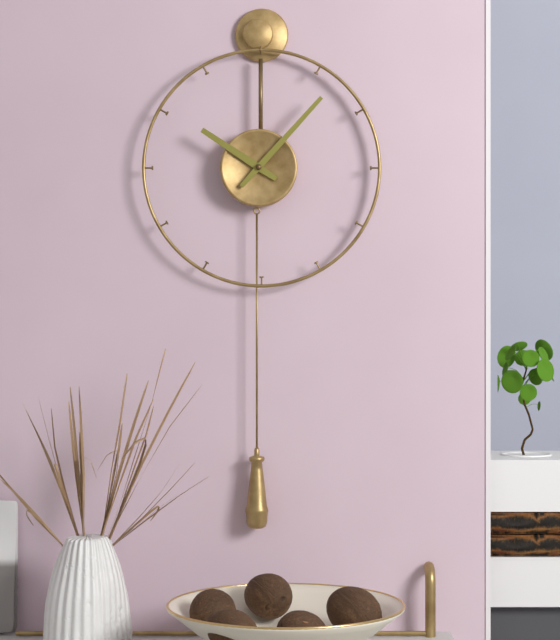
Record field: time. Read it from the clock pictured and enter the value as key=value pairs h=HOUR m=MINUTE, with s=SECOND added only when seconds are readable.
h=10 m=7
